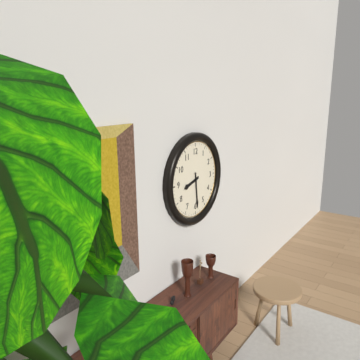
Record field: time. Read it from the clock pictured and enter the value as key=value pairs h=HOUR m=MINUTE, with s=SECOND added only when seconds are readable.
h=8 m=29
